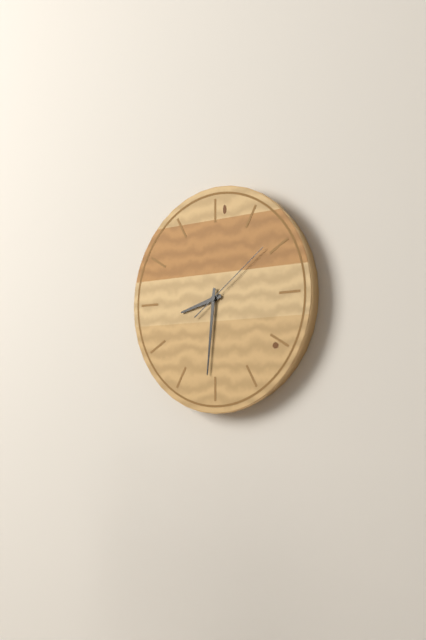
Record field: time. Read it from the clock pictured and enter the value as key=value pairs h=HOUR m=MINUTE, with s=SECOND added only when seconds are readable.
h=8 m=31 s=9
